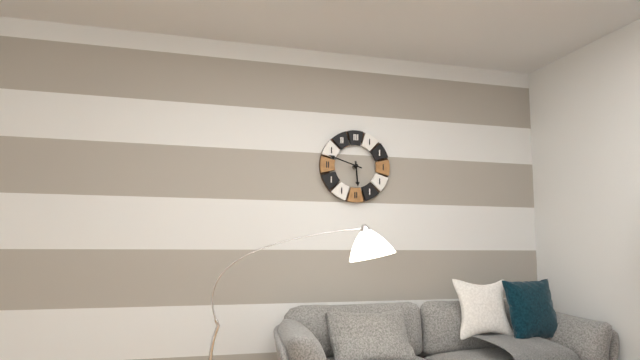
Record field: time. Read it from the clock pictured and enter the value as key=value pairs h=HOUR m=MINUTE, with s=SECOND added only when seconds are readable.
h=5 m=48
